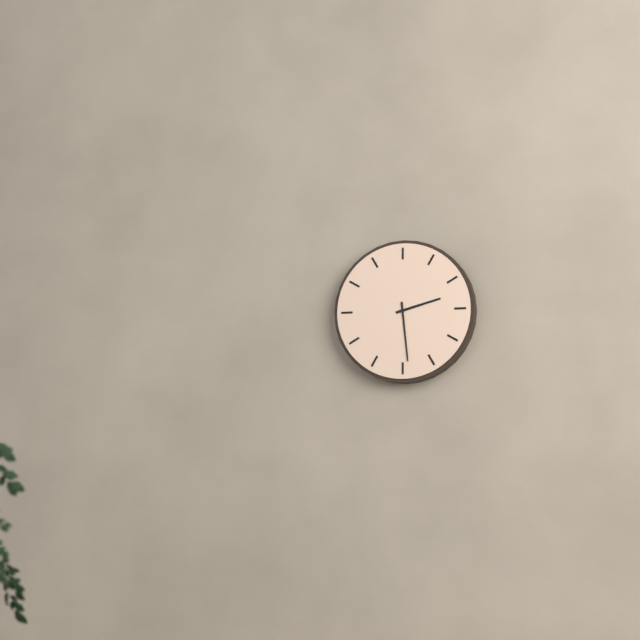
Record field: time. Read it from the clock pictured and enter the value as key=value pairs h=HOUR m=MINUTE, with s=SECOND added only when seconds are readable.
h=2 m=29
